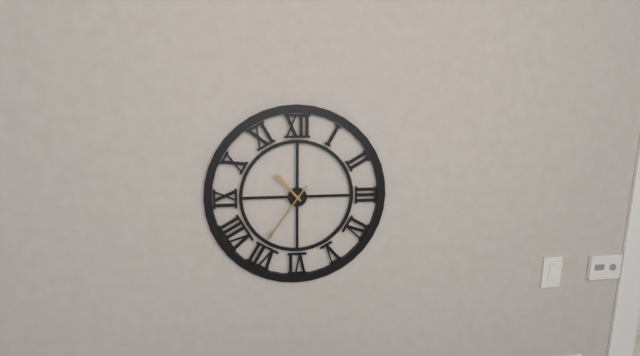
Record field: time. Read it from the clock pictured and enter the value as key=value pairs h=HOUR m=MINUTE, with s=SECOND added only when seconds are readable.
h=10 m=36
